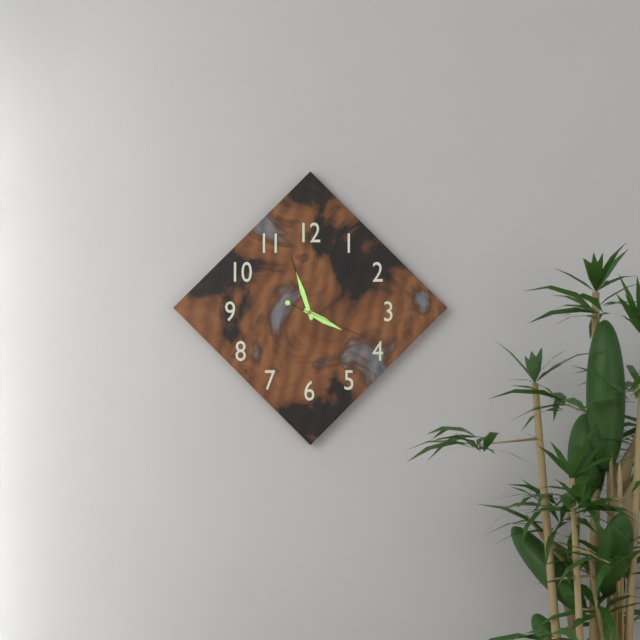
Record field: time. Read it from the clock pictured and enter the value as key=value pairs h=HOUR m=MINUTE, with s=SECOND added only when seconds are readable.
h=3 m=57 s=19
